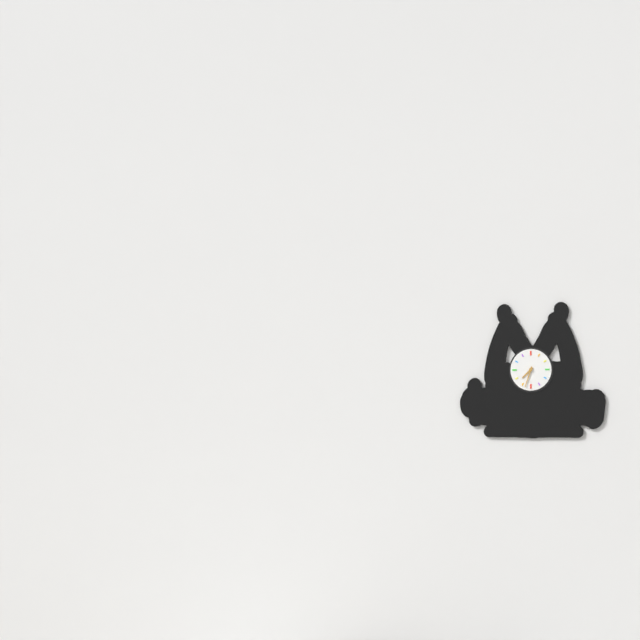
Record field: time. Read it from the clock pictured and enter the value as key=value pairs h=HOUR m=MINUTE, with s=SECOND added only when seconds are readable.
h=7 m=33
